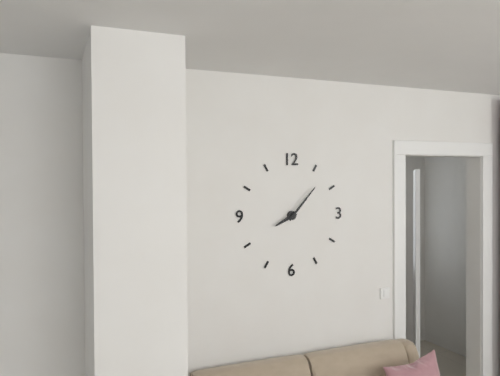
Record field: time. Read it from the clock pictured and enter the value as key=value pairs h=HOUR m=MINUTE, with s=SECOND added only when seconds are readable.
h=8 m=7
